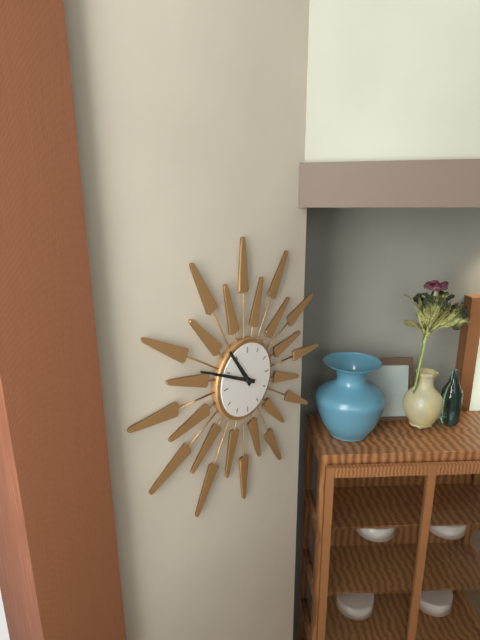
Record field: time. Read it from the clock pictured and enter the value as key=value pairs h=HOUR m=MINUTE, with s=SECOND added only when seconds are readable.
h=10 m=49
